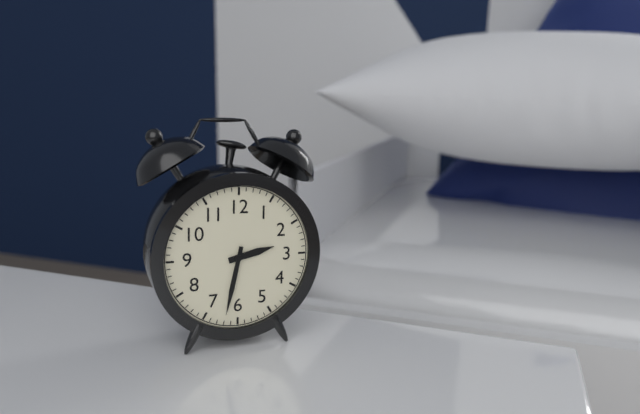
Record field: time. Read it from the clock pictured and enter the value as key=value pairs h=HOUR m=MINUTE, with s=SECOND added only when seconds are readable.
h=2 m=32
